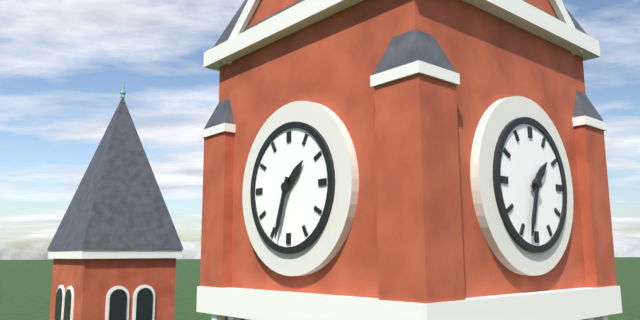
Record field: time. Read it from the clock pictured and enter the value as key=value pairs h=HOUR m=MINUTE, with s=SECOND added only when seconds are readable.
h=1 m=33
